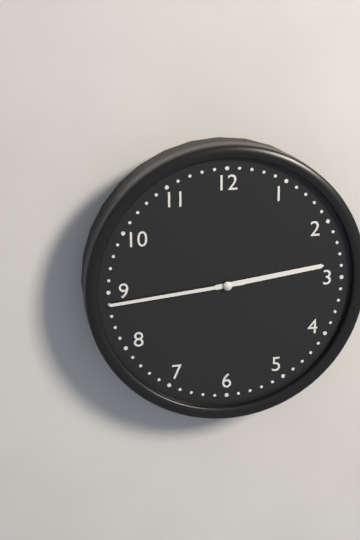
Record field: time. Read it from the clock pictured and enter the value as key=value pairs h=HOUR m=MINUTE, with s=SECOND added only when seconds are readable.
h=2 m=44
